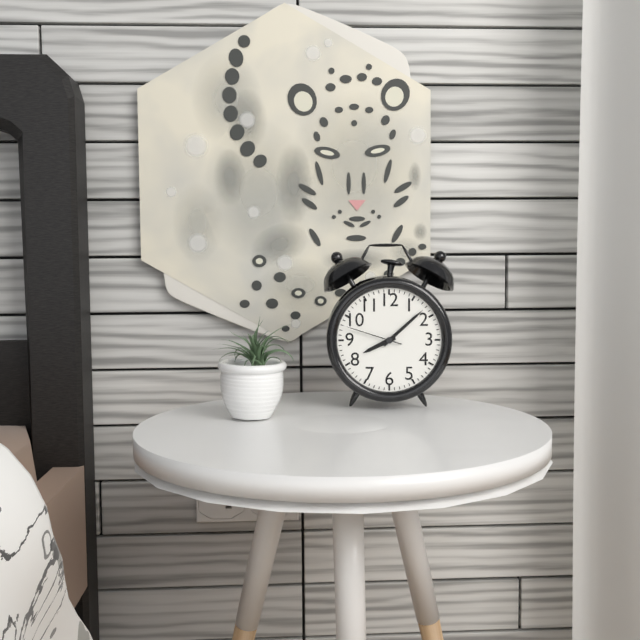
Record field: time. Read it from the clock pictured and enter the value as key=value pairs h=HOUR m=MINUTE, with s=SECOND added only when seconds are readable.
h=8 m=8 s=48
